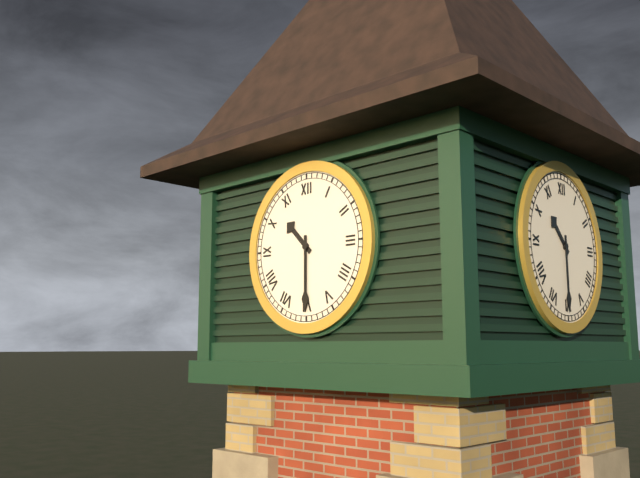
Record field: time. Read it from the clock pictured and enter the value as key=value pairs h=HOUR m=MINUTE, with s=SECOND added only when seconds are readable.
h=10 m=30
